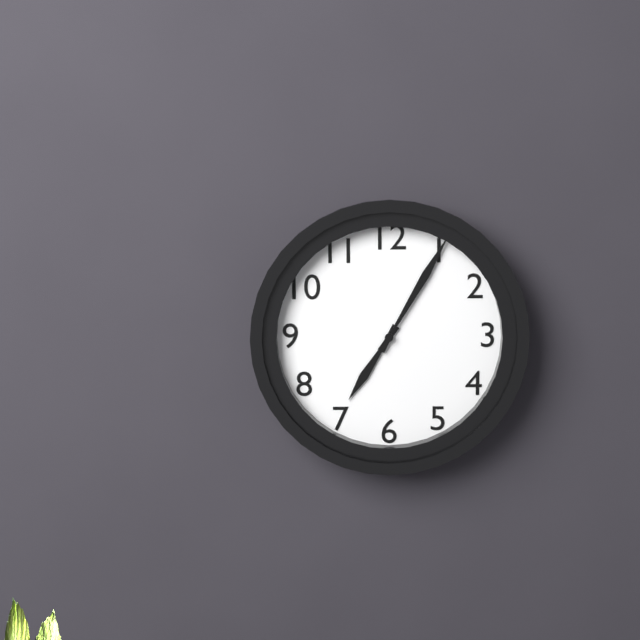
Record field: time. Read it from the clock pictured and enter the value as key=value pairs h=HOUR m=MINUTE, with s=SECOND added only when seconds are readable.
h=7 m=5
